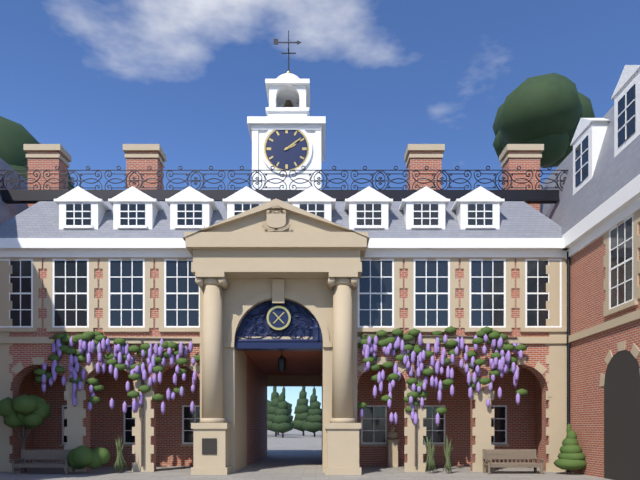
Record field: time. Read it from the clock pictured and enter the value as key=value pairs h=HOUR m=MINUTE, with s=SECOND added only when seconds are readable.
h=2 m=9
